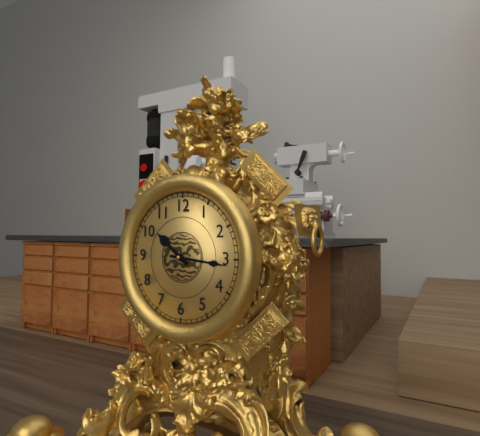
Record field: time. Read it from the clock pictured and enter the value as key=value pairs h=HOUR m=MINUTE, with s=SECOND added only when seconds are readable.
h=10 m=16
